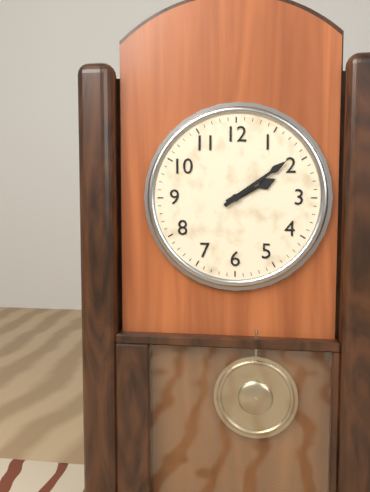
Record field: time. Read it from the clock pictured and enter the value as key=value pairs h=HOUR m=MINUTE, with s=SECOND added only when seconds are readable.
h=2 m=9
